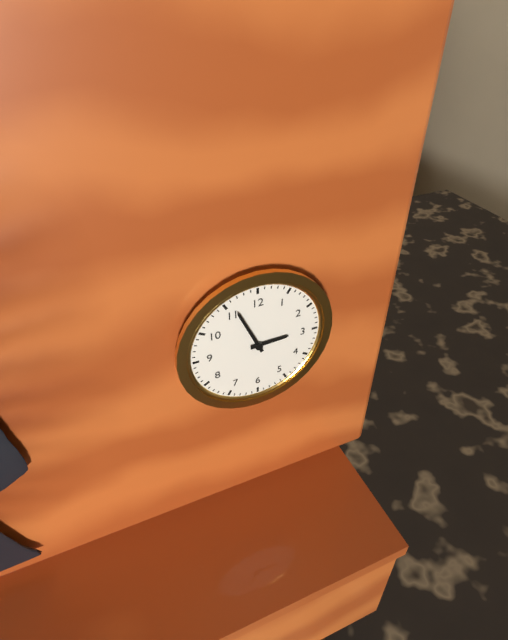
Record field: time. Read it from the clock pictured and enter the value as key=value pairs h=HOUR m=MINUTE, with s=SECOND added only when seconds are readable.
h=2 m=56
